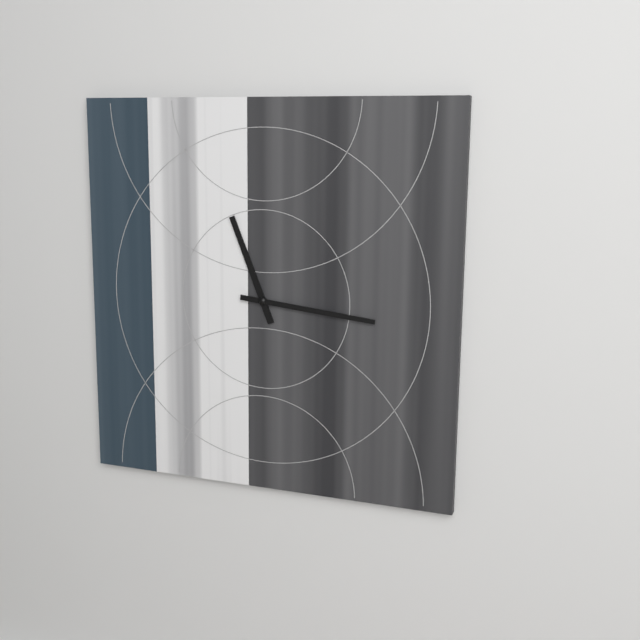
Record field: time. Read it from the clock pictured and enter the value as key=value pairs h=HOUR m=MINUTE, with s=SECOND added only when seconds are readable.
h=11 m=16
